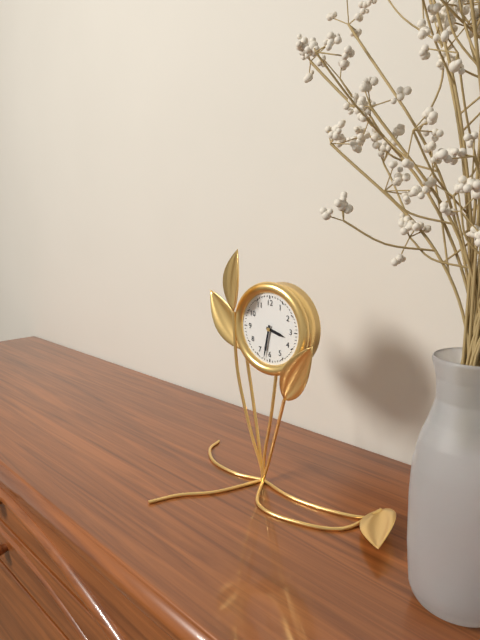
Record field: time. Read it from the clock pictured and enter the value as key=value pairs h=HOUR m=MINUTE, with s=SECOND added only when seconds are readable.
h=3 m=32
